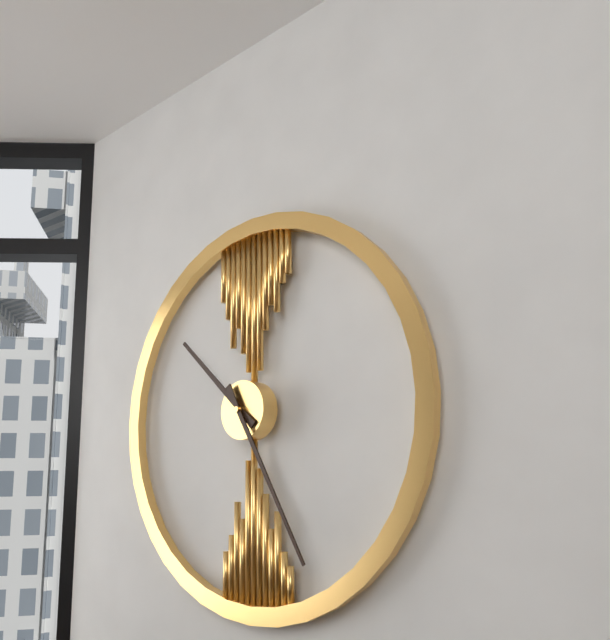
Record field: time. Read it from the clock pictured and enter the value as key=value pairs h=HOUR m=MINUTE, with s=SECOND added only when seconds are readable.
h=10 m=25
